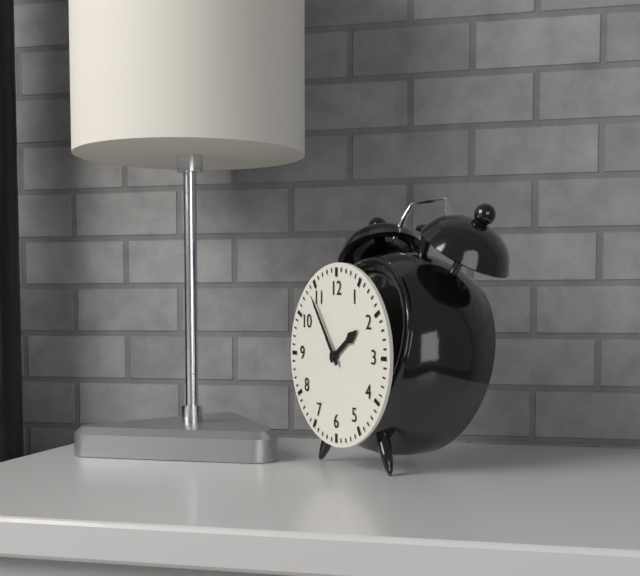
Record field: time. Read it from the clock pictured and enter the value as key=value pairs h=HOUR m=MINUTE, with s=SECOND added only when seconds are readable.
h=1 m=54
